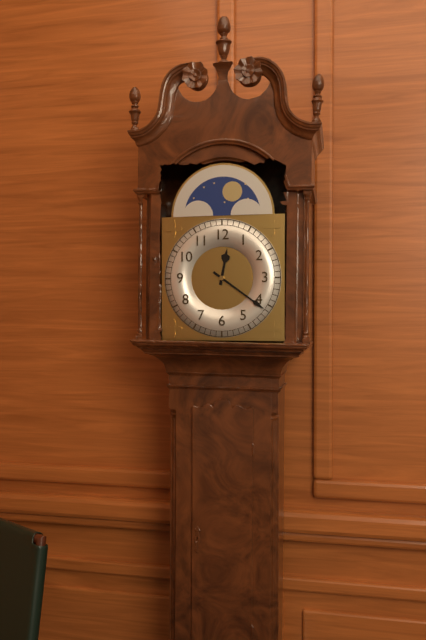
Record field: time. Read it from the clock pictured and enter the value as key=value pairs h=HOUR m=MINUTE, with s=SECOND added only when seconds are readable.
h=12 m=21
